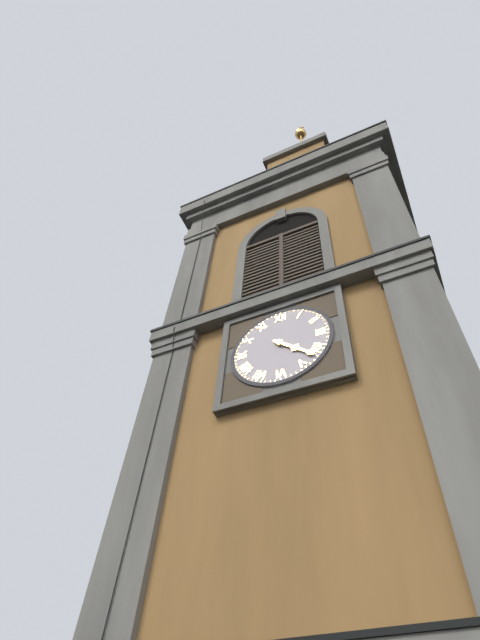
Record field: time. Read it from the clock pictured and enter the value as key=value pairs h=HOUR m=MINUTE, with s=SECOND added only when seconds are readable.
h=4 m=22
